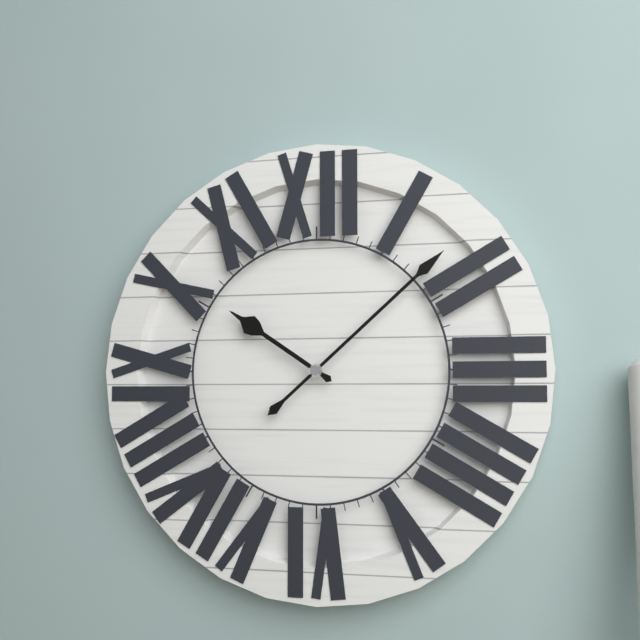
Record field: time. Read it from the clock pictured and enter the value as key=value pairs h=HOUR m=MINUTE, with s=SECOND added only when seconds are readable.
h=10 m=8
